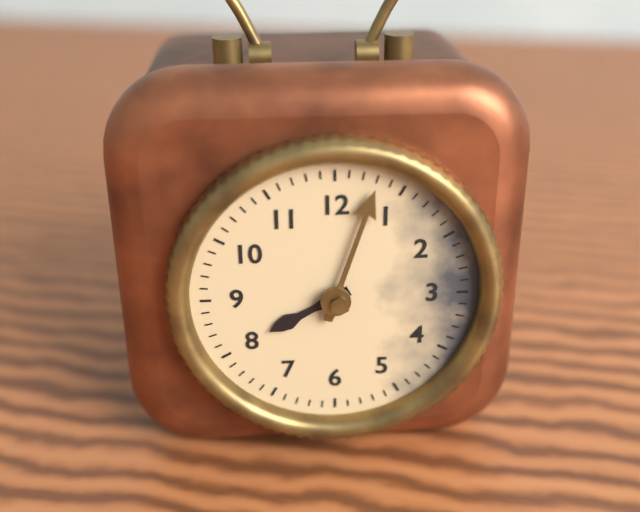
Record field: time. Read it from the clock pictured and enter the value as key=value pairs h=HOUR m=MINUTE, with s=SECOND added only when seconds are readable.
h=8 m=3
